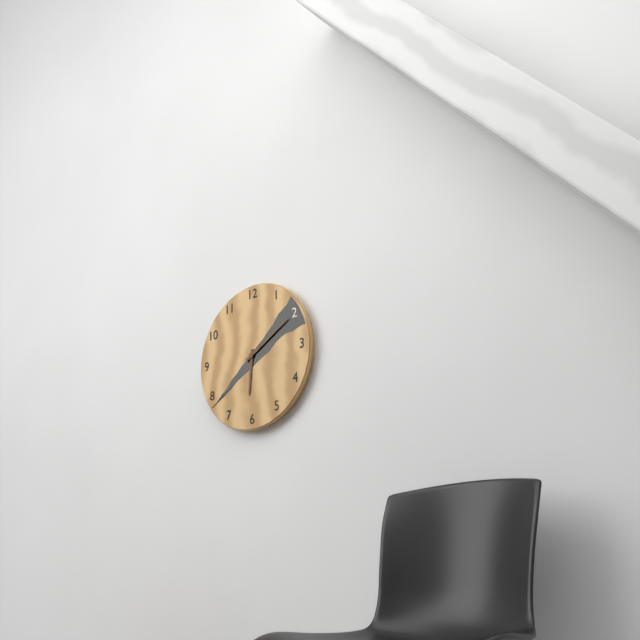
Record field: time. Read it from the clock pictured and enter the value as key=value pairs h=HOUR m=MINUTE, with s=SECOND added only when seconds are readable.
h=6 m=10
